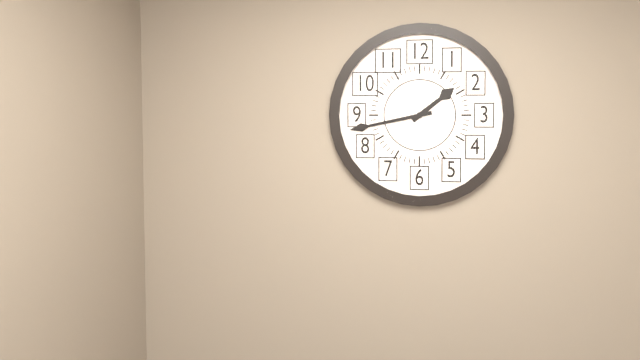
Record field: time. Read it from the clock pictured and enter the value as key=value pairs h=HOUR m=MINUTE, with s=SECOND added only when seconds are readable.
h=1 m=43
